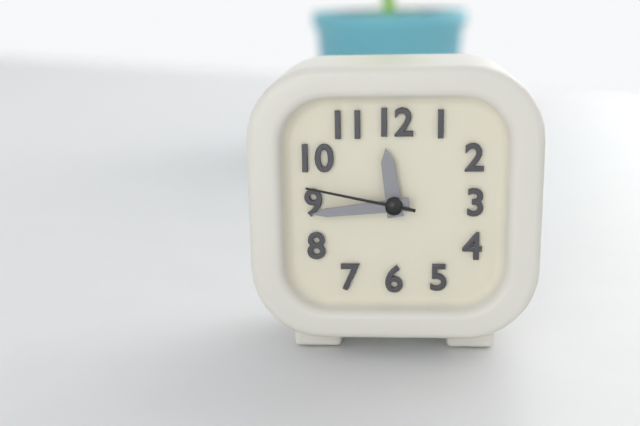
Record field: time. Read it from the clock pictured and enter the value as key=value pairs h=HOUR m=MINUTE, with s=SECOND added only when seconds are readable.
h=11 m=44 s=47
